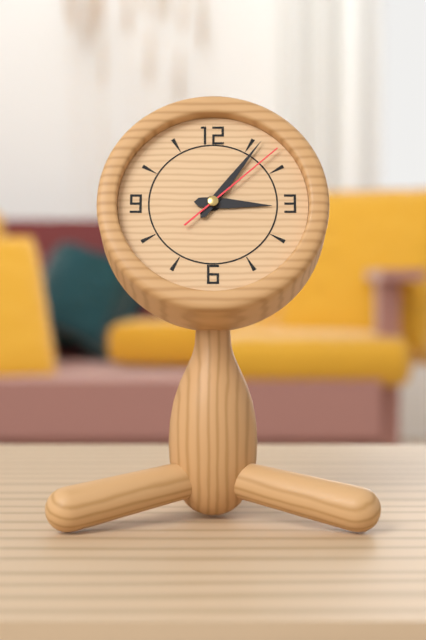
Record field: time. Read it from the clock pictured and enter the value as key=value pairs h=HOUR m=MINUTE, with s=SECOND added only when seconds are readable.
h=3 m=6 s=8
